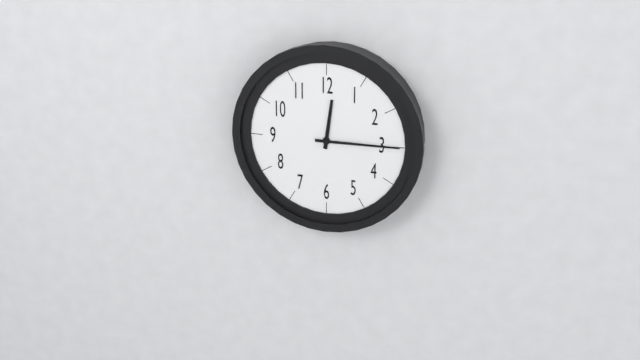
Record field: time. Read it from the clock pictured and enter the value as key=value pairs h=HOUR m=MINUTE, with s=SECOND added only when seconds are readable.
h=12 m=15
